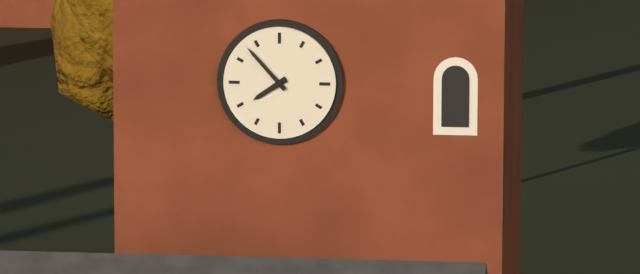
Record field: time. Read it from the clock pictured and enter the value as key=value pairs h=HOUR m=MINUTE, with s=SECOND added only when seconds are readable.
h=7 m=53
